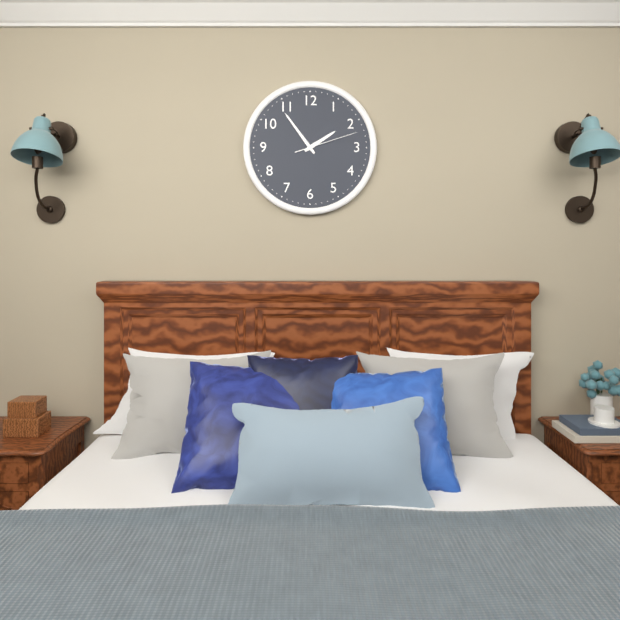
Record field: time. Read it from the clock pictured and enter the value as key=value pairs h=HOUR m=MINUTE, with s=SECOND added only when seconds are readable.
h=1 m=54 s=12
